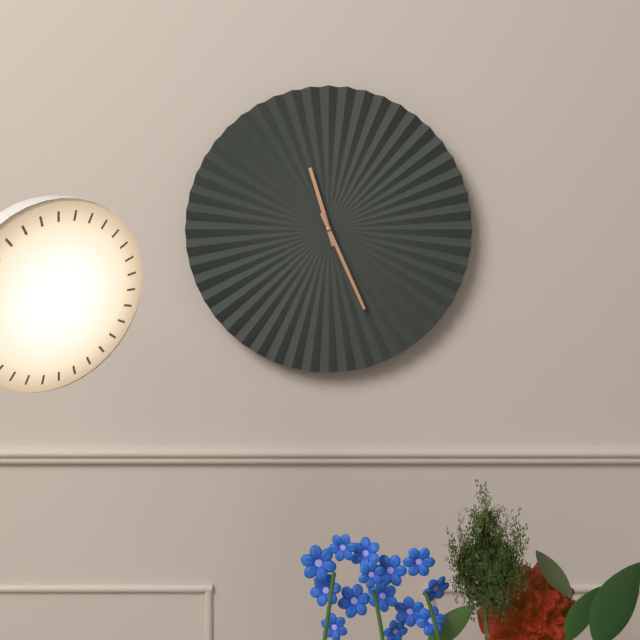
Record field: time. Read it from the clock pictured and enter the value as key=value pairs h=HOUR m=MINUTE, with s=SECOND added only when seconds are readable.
h=11 m=26
